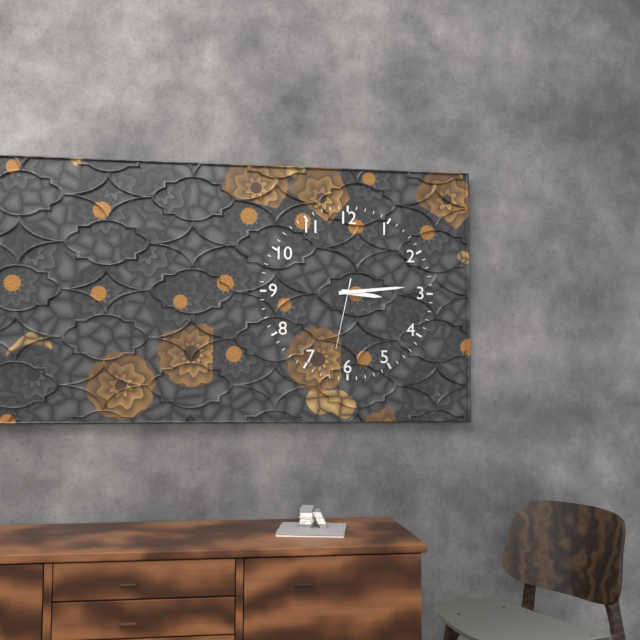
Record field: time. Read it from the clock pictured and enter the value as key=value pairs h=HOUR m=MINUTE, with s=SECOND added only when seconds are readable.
h=3 m=14 s=32
